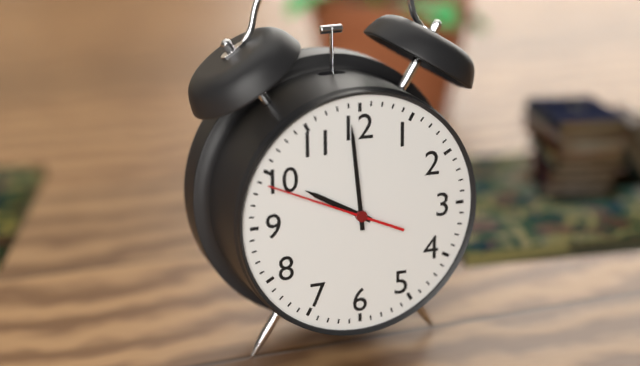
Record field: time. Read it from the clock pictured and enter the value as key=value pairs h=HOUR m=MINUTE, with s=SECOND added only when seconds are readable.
h=9 m=59 s=49
